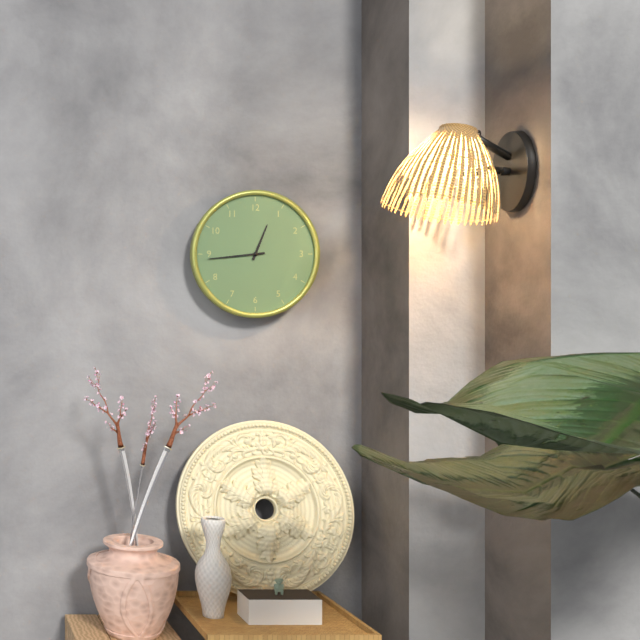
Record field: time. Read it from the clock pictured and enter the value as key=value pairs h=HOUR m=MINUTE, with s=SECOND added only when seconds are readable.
h=12 m=44
